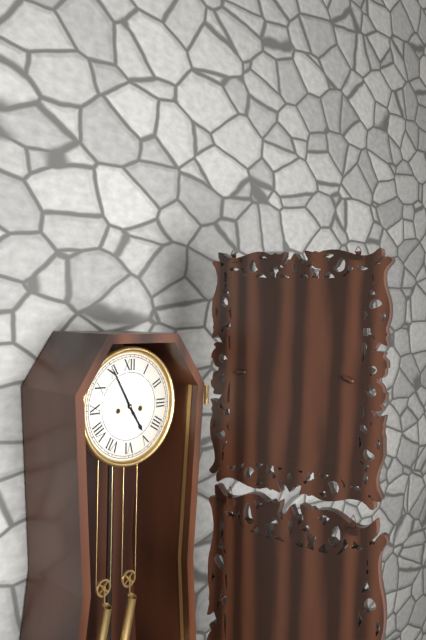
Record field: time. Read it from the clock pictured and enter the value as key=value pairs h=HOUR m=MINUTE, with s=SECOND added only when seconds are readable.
h=4 m=55
